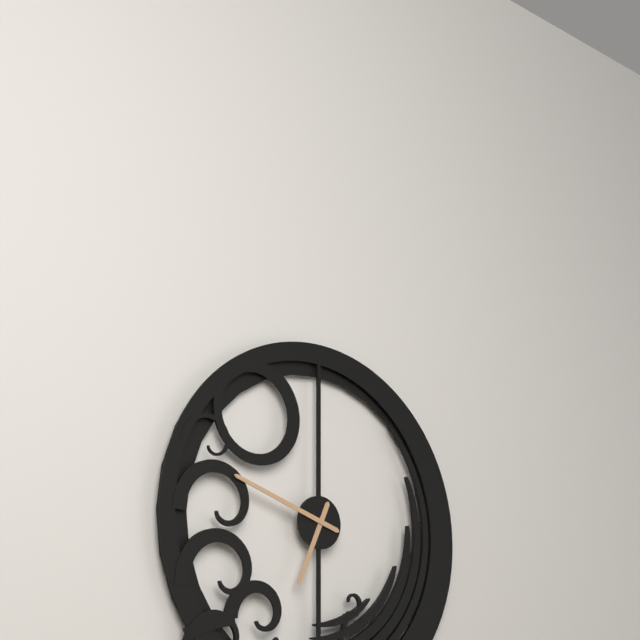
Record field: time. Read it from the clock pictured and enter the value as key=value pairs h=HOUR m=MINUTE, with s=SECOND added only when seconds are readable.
h=6 m=48
